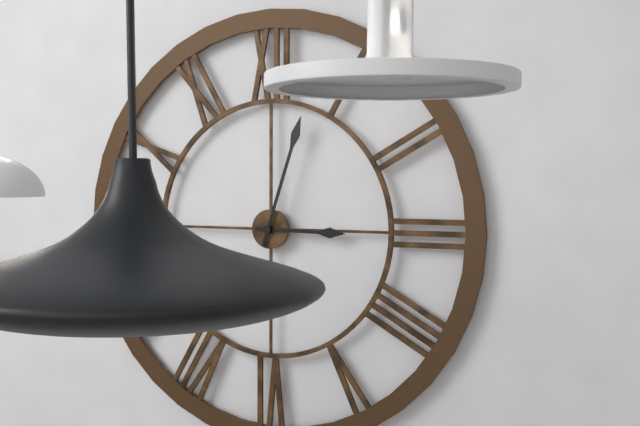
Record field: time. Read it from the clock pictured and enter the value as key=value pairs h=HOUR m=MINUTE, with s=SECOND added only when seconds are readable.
h=3 m=3
